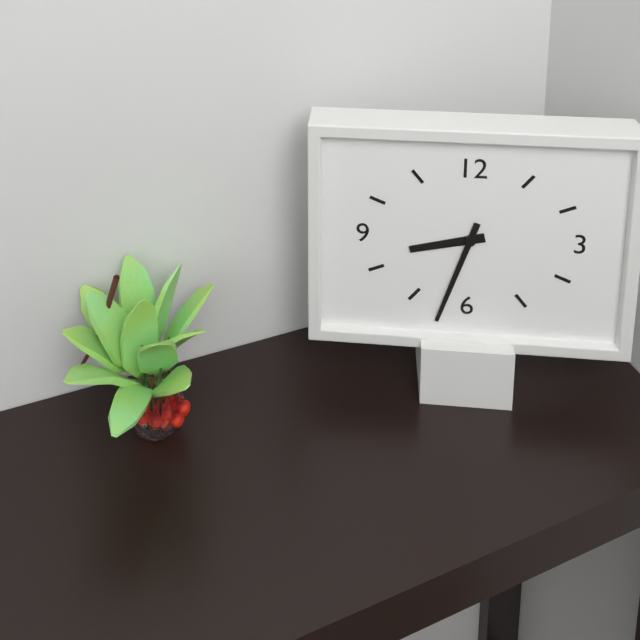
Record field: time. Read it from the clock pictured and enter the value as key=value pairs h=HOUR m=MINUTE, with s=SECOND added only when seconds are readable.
h=8 m=33
